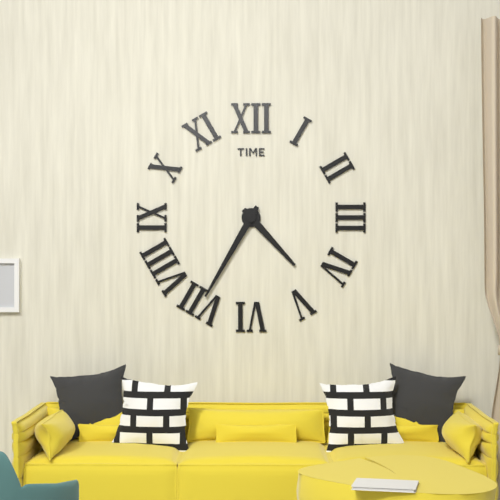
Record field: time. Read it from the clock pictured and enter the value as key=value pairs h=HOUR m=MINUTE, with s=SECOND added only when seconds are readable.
h=4 m=35
